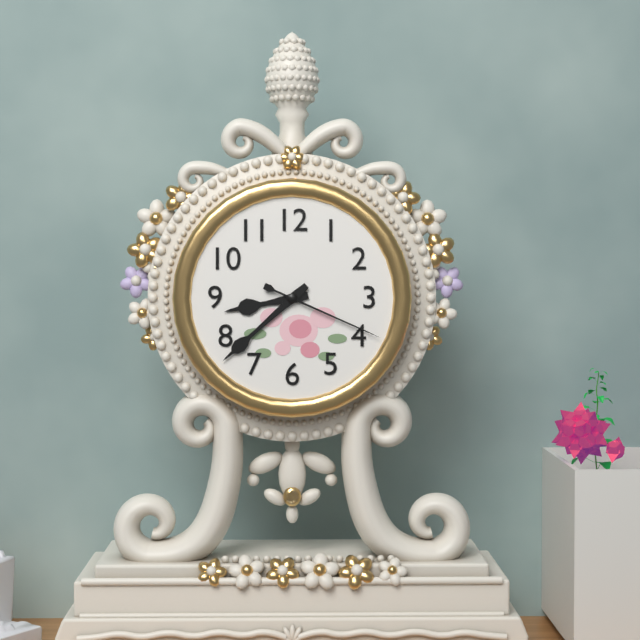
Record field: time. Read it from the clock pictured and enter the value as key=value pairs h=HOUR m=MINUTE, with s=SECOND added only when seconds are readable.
h=8 m=38 s=19
